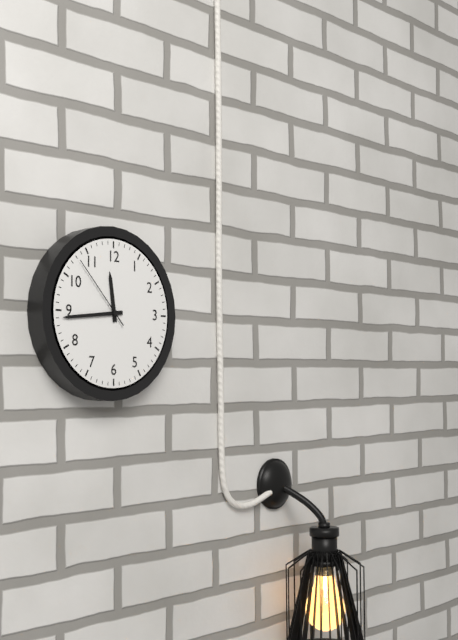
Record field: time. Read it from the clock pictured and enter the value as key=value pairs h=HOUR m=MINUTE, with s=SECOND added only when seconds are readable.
h=11 m=44 s=53
